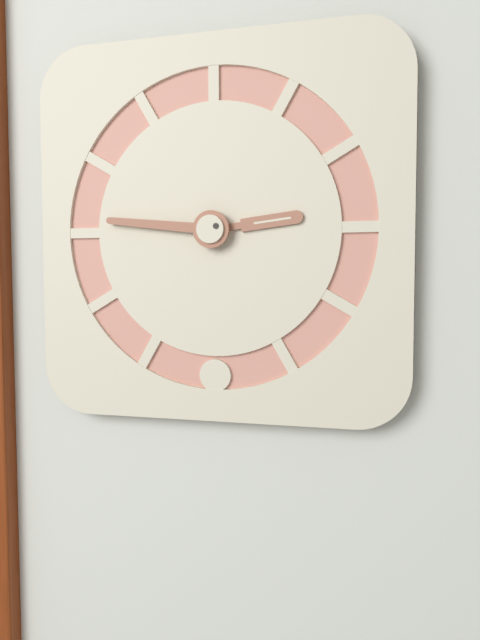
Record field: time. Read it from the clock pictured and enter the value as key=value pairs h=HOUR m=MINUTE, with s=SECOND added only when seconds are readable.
h=2 m=46
